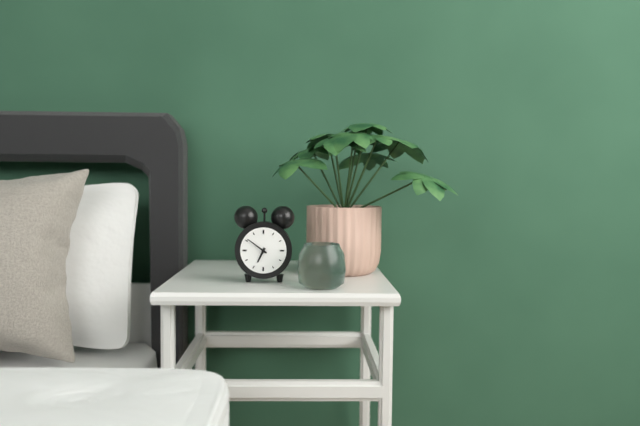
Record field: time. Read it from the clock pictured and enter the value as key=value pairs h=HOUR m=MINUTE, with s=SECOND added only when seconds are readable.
h=6 m=51
